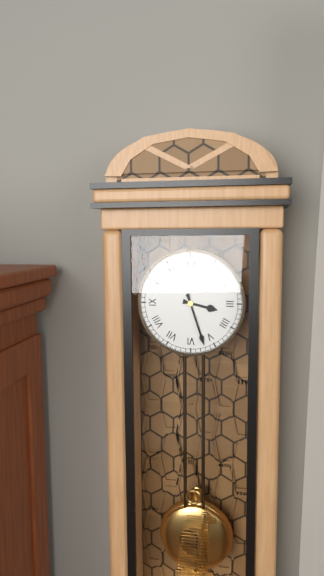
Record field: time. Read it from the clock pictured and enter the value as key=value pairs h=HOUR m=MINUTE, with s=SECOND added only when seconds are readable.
h=3 m=27
